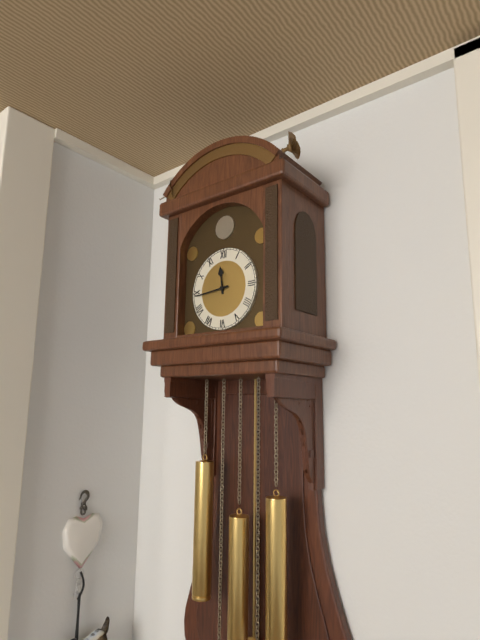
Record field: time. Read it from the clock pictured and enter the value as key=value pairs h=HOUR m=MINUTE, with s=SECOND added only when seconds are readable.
h=11 m=44
